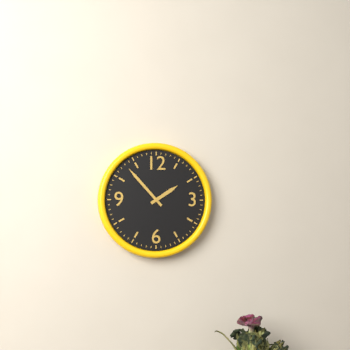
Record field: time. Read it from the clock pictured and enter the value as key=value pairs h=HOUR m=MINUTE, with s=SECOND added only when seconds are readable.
h=1 m=53
